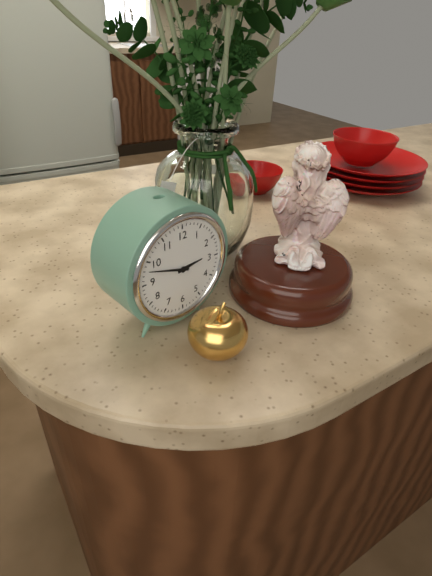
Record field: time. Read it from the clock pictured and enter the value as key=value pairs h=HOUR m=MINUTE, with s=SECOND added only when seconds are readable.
h=2 m=48
